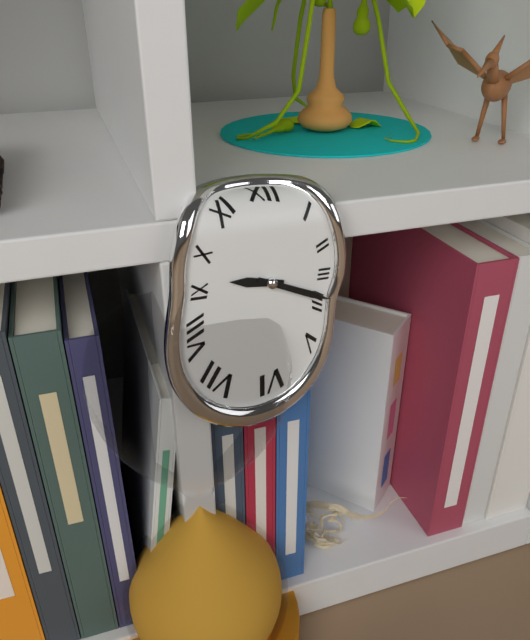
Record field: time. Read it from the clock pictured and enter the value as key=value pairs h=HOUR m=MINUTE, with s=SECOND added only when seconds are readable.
h=9 m=19
